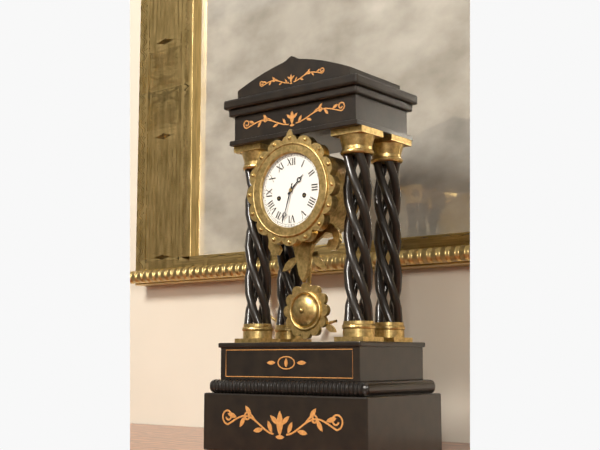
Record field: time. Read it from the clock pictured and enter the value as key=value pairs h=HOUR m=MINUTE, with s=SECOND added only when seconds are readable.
h=1 m=33
